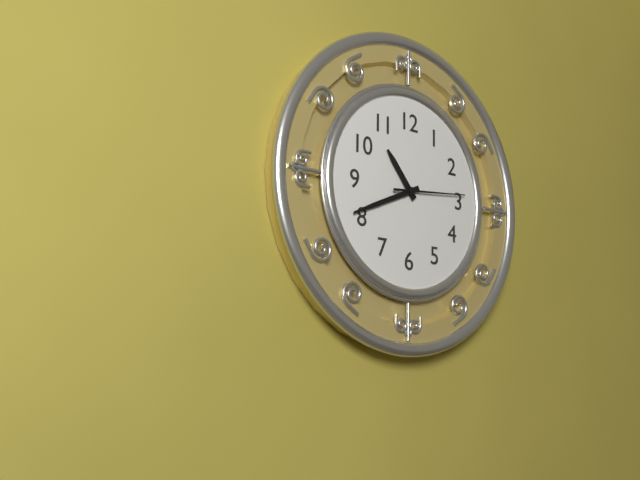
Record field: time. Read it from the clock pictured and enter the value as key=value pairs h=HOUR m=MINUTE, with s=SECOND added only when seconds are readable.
h=10 m=41 s=14
